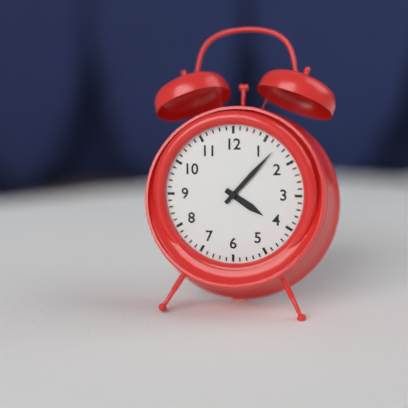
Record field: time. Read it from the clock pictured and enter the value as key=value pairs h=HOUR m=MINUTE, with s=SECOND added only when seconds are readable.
h=4 m=7
